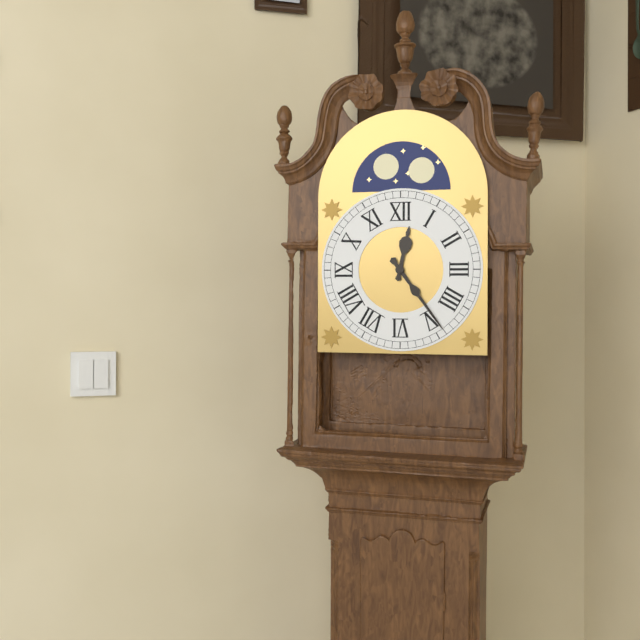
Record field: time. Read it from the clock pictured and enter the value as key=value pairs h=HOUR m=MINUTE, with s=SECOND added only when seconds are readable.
h=12 m=24
